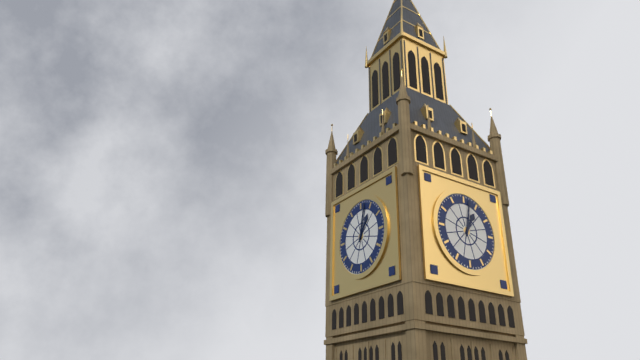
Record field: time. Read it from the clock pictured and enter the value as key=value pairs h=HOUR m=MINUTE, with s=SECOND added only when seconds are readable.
h=1 m=2
